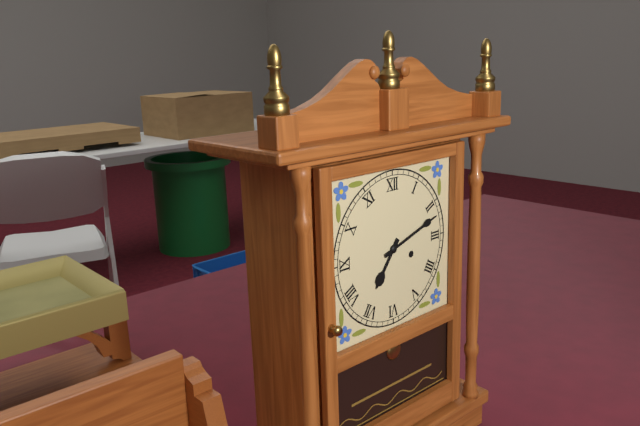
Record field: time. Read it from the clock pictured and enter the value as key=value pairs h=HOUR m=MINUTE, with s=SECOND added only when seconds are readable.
h=7 m=12
